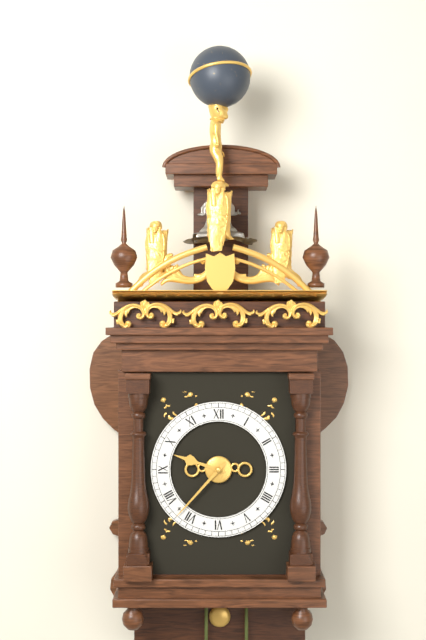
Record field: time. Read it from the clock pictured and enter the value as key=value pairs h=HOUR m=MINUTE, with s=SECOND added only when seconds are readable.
h=9 m=37
